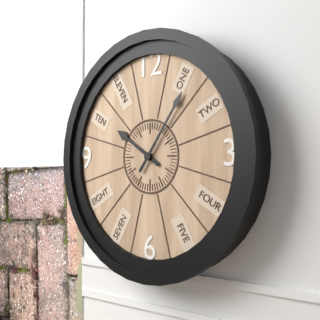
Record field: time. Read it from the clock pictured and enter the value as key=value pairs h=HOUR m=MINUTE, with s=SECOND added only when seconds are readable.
h=10 m=6
